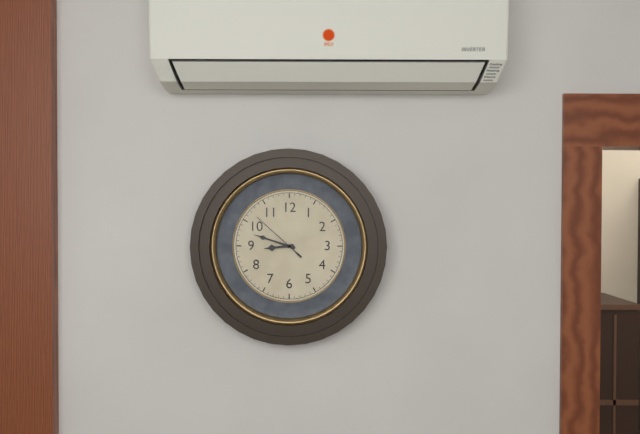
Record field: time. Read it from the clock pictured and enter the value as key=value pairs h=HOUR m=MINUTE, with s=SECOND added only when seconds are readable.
h=8 m=48 s=52
